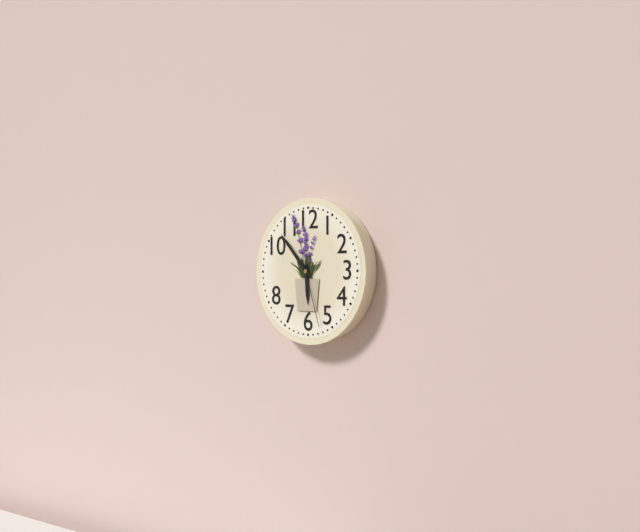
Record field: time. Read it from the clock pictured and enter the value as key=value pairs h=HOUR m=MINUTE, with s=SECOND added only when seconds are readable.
h=5 m=53 s=27
